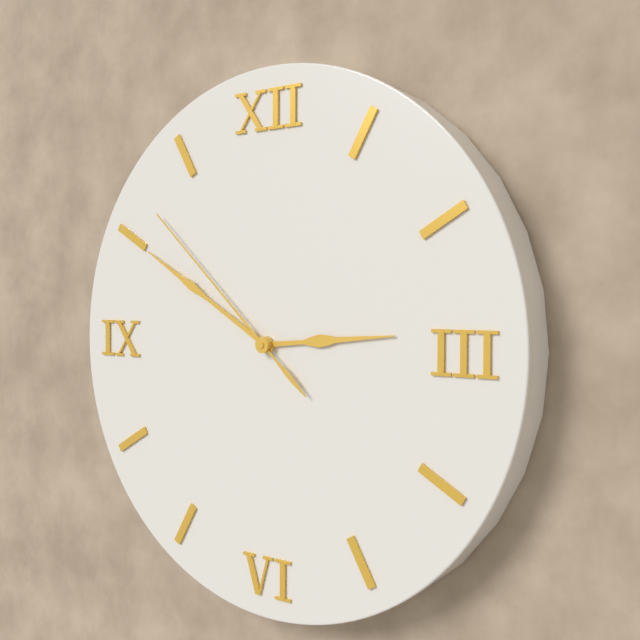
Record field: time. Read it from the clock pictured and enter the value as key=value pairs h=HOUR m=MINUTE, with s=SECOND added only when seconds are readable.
h=2 m=50 s=52
